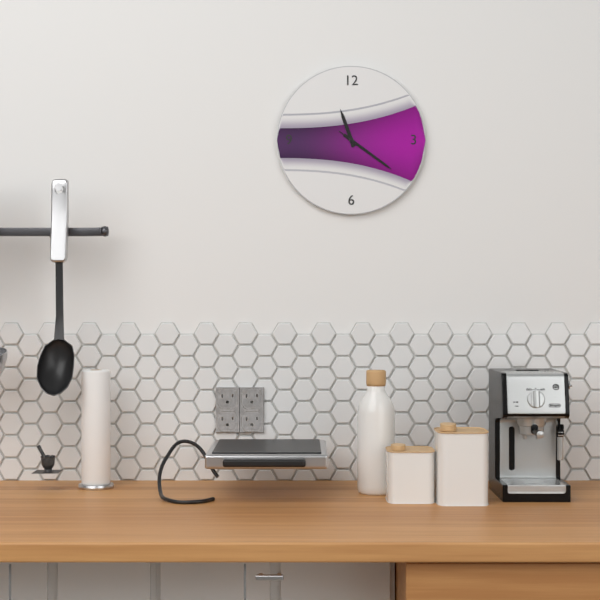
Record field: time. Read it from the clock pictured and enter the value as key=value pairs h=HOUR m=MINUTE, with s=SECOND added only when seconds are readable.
h=11 m=21 s=21
